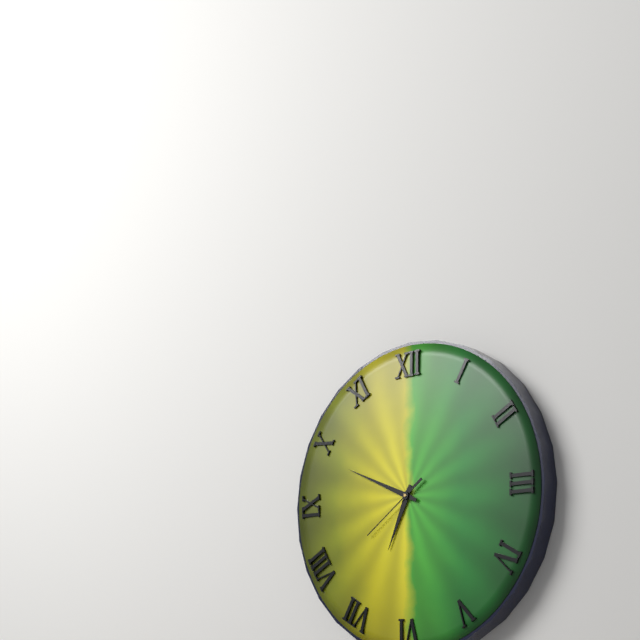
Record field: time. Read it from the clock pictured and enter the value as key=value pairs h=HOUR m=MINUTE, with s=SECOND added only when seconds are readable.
h=6 m=49 s=39
